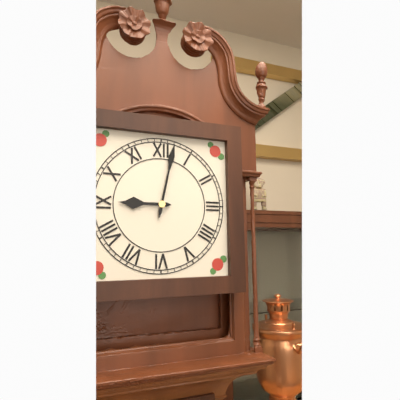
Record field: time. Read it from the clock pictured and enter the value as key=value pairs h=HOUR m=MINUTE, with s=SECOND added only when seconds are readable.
h=9 m=2
